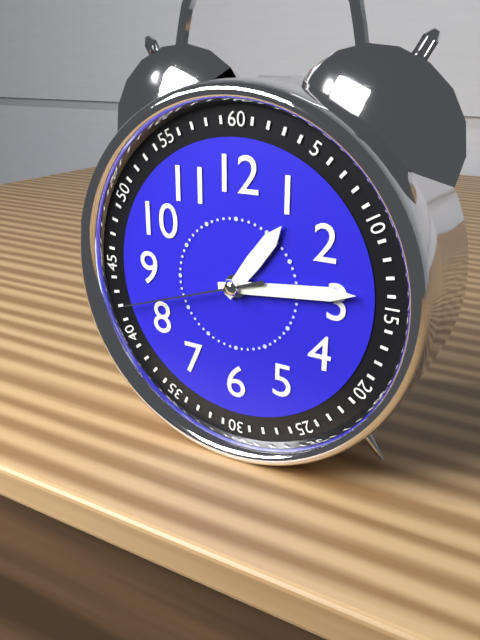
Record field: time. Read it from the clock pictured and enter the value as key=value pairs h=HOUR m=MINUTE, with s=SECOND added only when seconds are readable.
h=1 m=14 s=42
